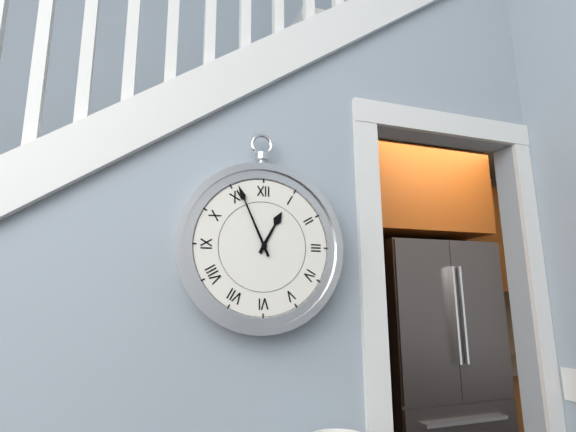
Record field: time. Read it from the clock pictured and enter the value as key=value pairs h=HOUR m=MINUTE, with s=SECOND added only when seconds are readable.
h=12 m=56
